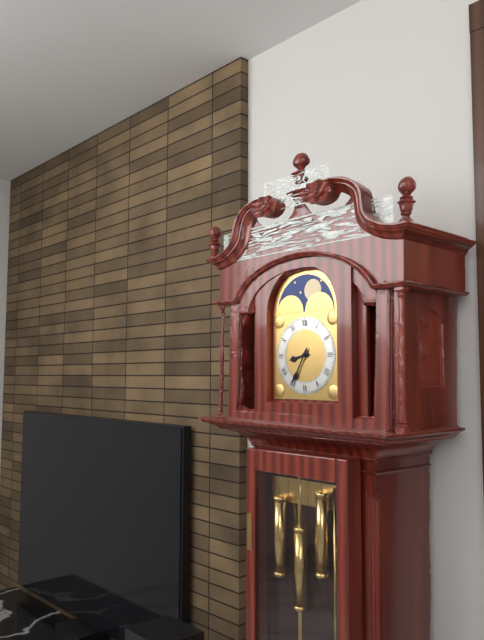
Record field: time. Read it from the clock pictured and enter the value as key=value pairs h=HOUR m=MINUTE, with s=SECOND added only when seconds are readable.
h=8 m=35
